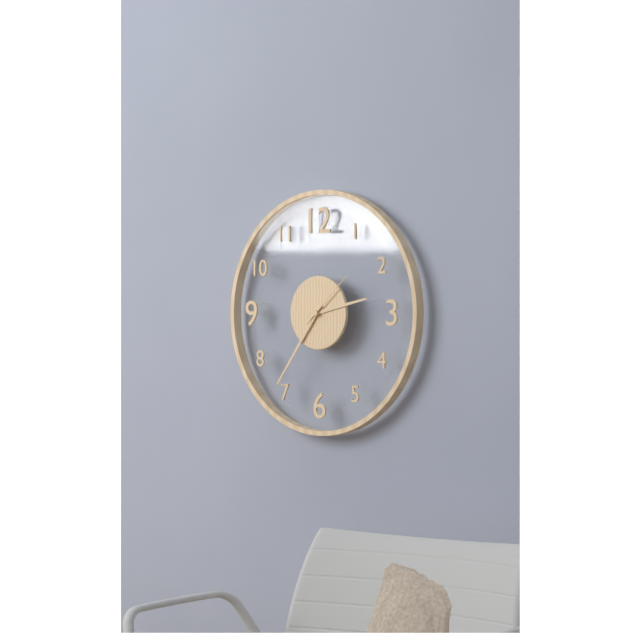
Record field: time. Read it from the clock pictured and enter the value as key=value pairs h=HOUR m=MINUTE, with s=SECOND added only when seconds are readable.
h=2 m=36 s=8
